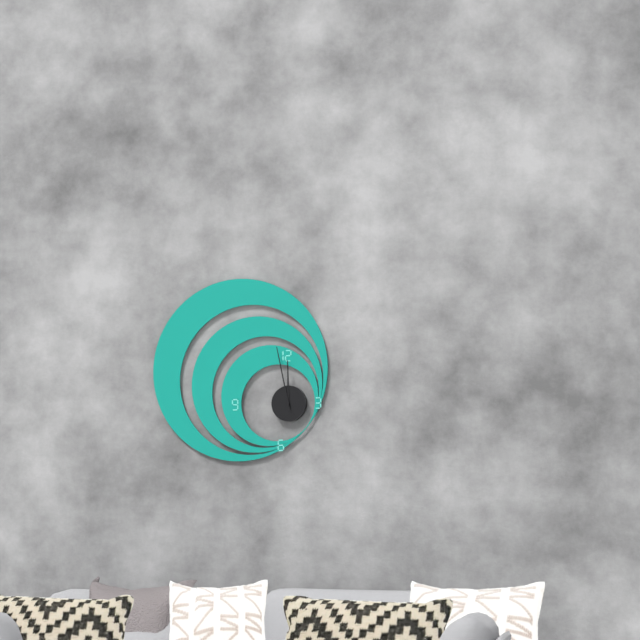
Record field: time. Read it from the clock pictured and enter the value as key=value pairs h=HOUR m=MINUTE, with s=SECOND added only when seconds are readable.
h=11 m=58
